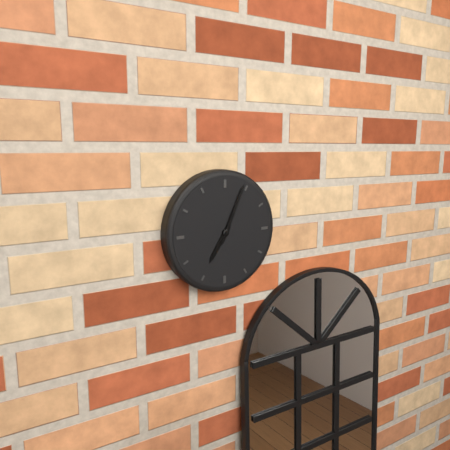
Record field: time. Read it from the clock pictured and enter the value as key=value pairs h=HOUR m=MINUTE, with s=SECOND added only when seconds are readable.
h=7 m=4
